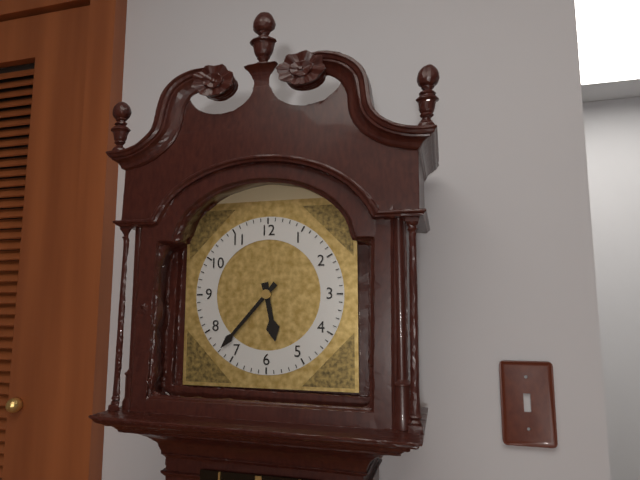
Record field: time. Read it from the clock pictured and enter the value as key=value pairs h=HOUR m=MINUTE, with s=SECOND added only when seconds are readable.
h=5 m=37
